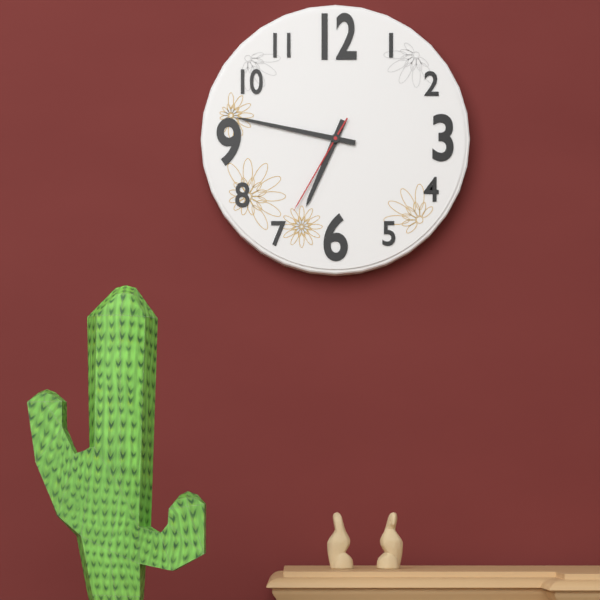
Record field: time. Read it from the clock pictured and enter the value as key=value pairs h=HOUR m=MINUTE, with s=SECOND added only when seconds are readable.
h=6 m=47 s=35
